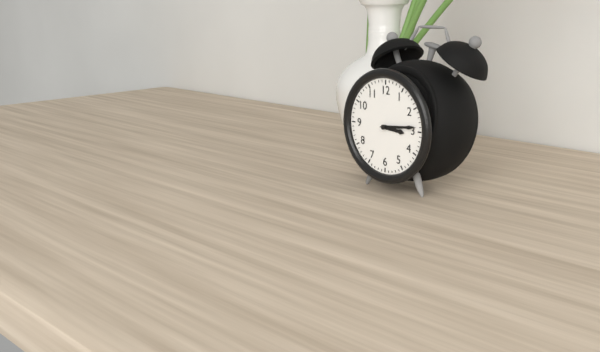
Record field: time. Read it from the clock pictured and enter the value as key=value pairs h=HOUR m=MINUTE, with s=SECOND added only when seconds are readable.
h=3 m=14
